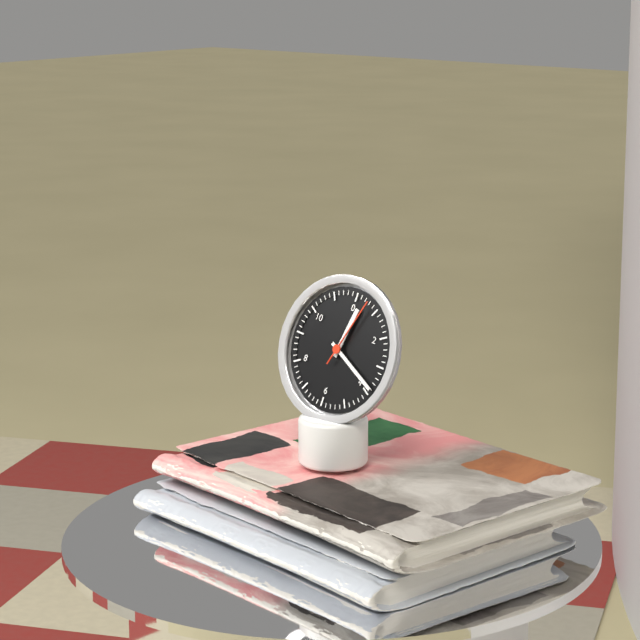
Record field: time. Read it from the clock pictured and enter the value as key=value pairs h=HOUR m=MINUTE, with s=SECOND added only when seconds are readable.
h=12 m=19 s=3
